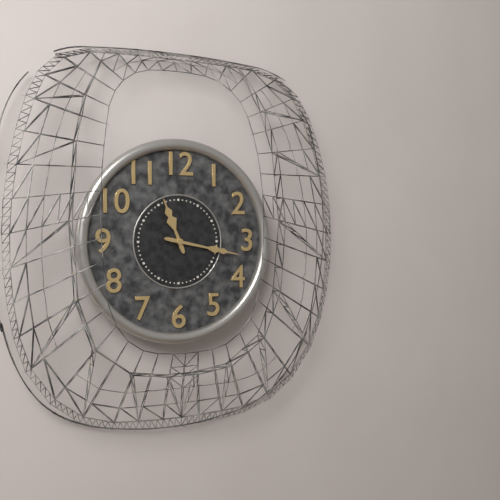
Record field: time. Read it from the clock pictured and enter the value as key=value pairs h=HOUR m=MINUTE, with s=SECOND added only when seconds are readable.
h=11 m=17
